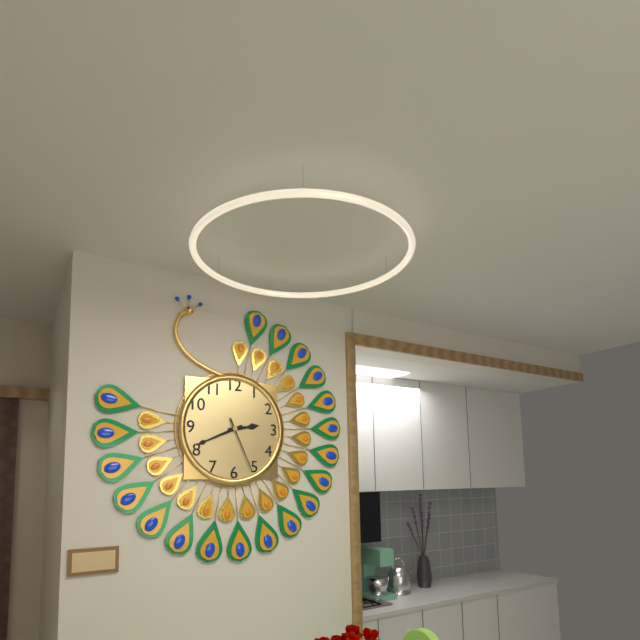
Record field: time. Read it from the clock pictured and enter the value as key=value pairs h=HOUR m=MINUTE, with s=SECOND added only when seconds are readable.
h=2 m=41 s=26
